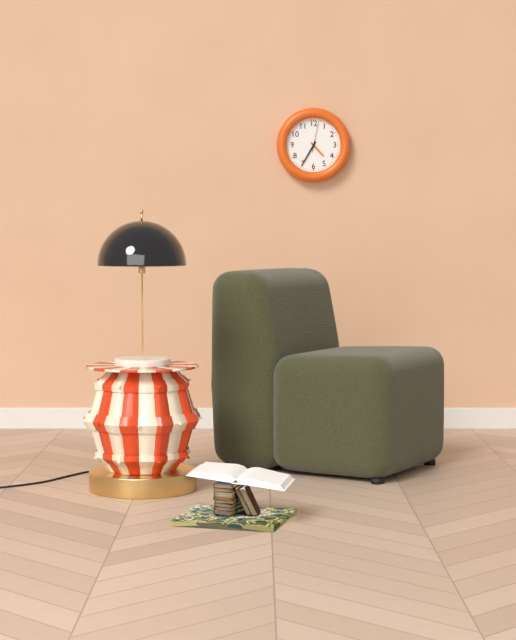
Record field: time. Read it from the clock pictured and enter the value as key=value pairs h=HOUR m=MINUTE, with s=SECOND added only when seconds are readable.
h=4 m=35
